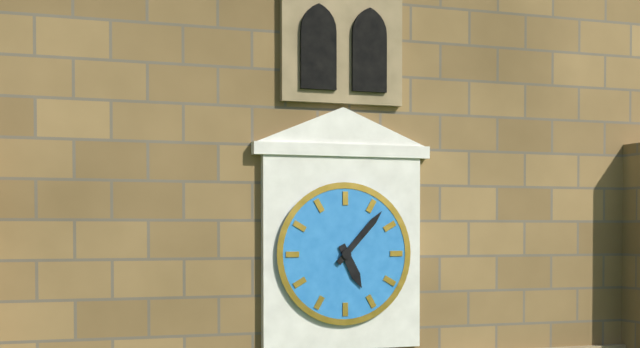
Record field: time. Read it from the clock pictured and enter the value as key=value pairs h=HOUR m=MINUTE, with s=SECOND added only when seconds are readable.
h=5 m=7
